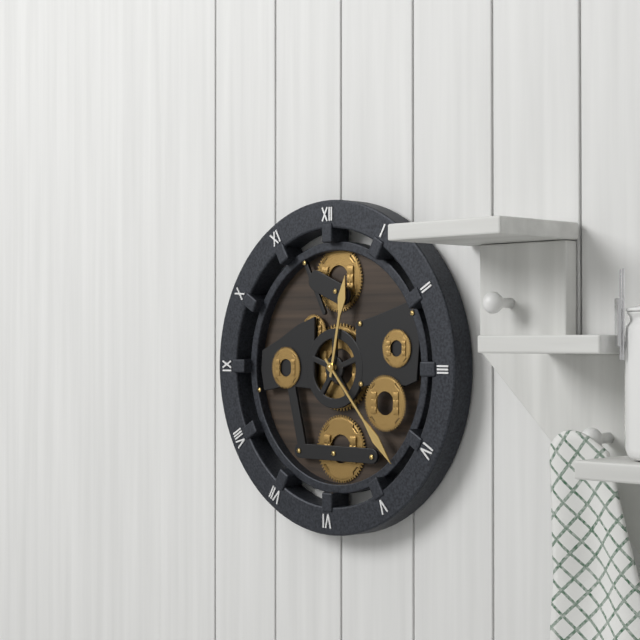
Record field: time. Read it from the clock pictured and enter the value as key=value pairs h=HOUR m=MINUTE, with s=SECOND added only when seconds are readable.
h=12 m=23
